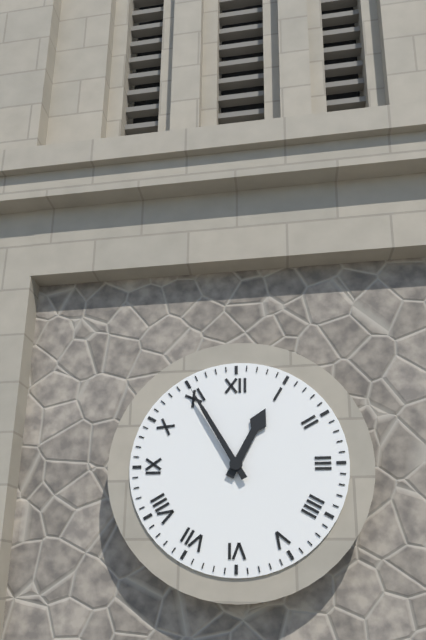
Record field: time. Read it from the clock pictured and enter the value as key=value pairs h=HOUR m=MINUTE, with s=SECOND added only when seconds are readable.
h=12 m=55
